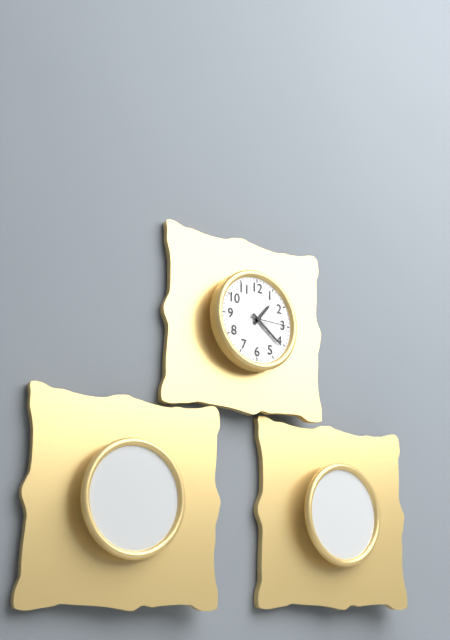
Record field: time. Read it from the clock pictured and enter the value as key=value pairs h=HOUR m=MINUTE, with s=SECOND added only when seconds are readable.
h=1 m=21
